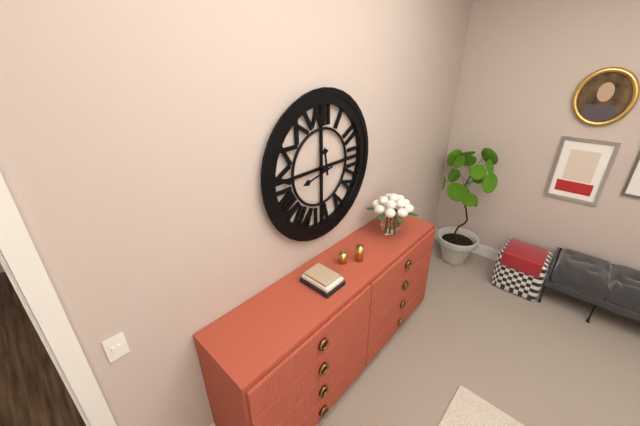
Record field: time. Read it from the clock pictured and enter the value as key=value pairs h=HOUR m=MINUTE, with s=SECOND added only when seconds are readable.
h=11 m=43
